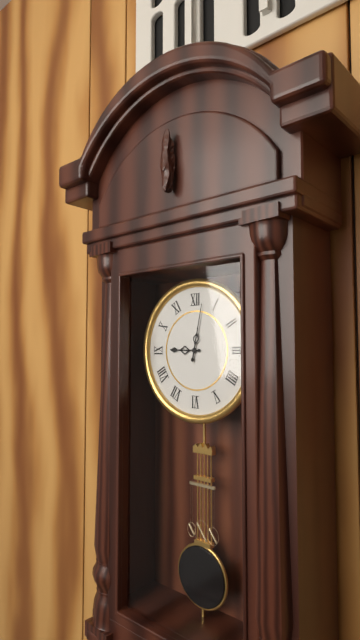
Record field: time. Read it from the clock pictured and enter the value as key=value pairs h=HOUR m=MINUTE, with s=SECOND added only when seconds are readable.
h=9 m=2
